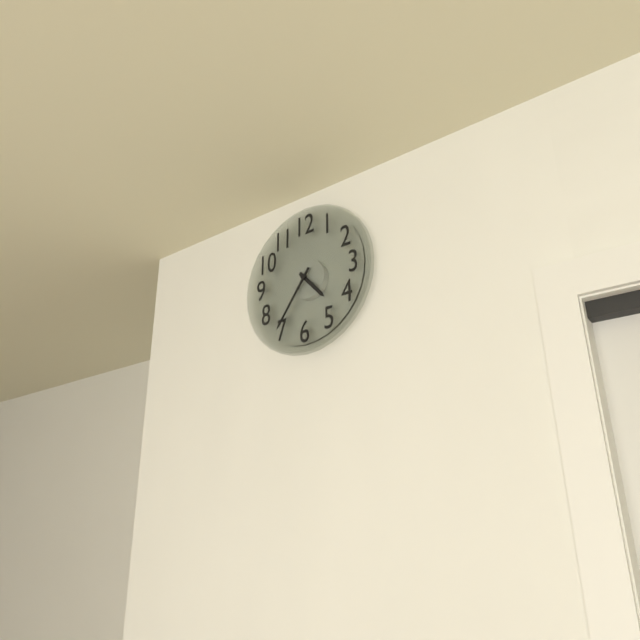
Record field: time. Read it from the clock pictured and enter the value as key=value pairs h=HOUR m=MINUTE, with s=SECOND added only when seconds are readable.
h=4 m=36
